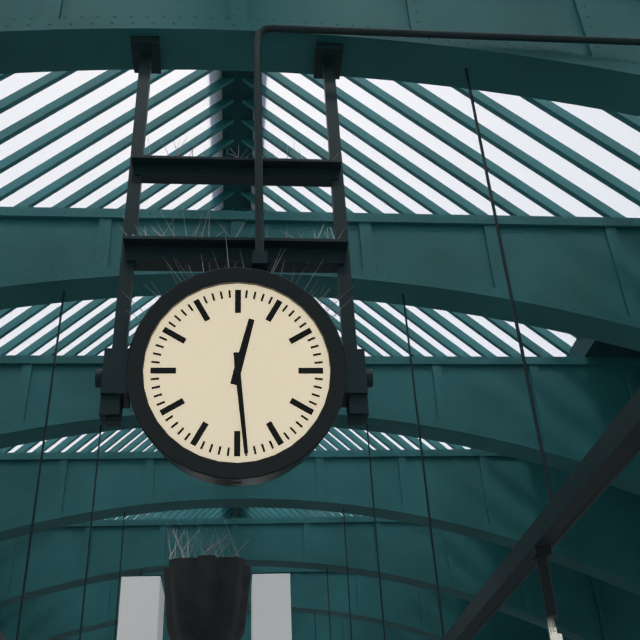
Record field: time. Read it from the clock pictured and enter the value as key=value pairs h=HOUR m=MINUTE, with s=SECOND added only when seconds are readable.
h=12 m=29
